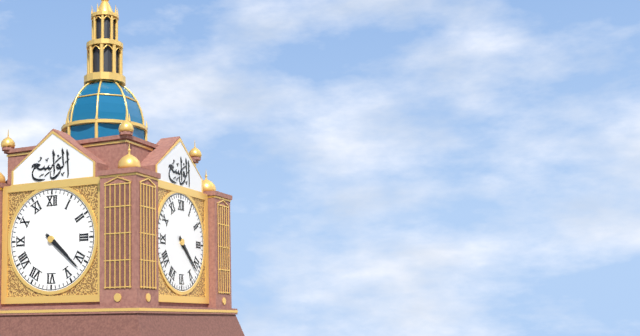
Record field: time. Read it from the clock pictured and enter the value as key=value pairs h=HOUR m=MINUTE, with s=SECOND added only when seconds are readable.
h=4 m=22
